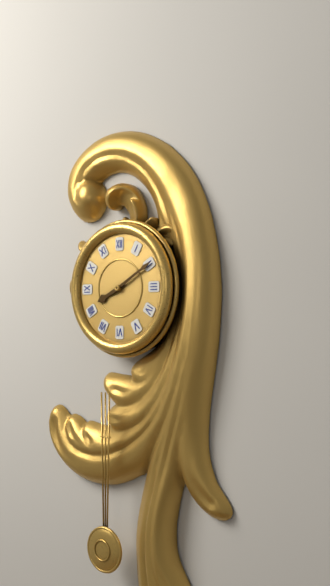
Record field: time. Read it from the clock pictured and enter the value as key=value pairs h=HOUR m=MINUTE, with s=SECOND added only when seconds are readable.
h=8 m=10
